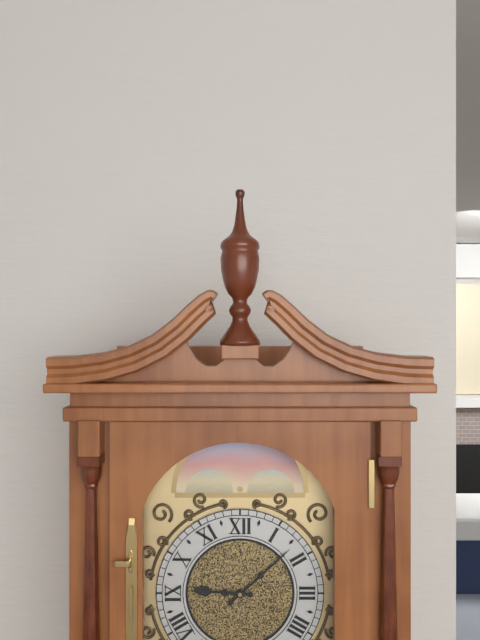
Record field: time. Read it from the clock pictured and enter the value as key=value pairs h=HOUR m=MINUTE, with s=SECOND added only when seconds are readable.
h=9 m=8
